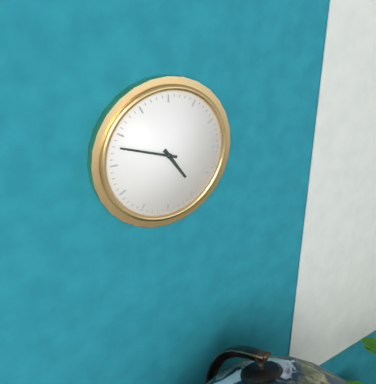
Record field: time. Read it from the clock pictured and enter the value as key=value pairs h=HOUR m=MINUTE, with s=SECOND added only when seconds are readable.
h=4 m=48
